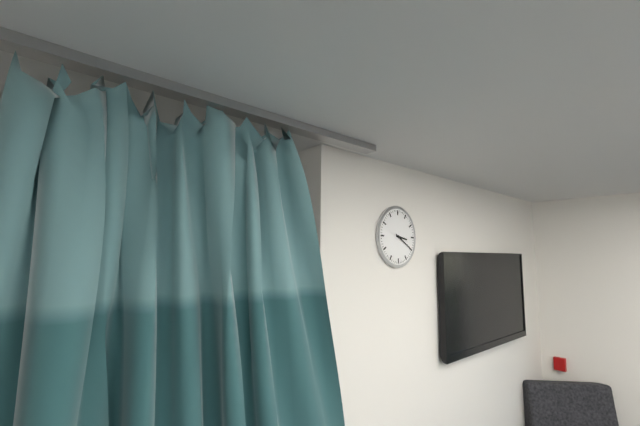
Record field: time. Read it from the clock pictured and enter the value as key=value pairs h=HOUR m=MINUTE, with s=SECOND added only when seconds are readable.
h=3 m=20
